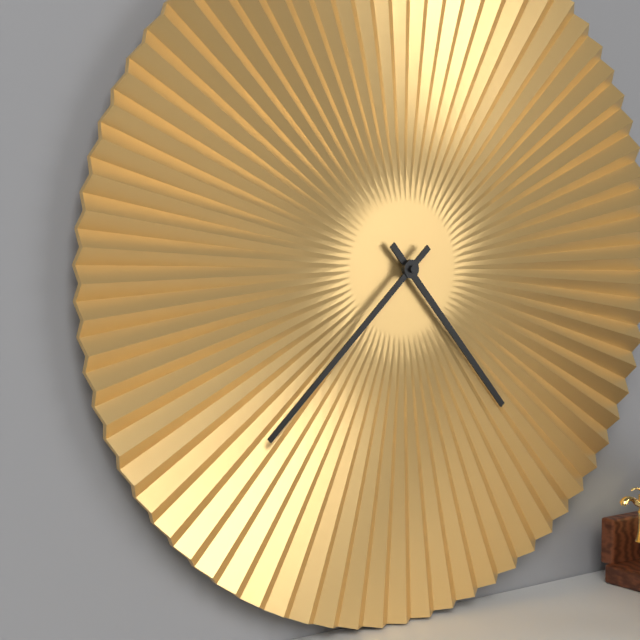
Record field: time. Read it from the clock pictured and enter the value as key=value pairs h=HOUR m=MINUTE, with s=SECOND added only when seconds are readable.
h=4 m=38
